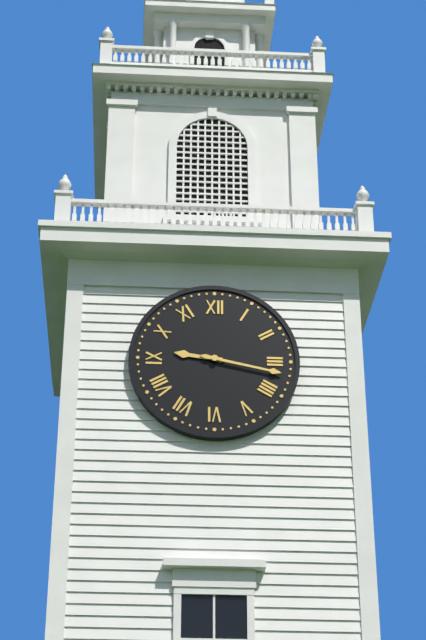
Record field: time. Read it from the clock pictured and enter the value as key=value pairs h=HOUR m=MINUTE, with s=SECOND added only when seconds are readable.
h=9 m=17
